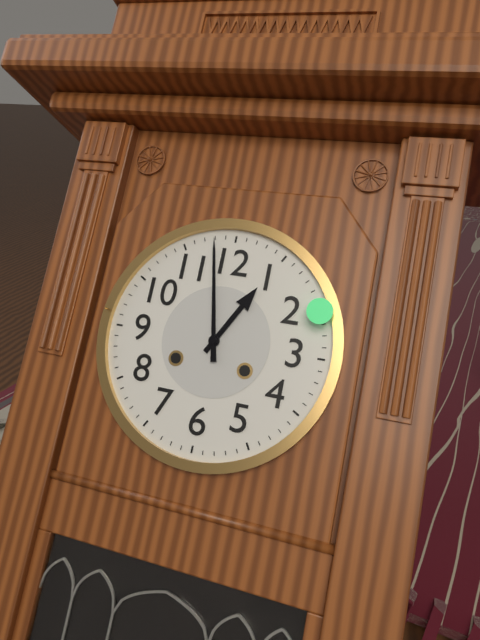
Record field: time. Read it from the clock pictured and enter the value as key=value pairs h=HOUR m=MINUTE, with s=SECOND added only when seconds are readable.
h=12 m=58
